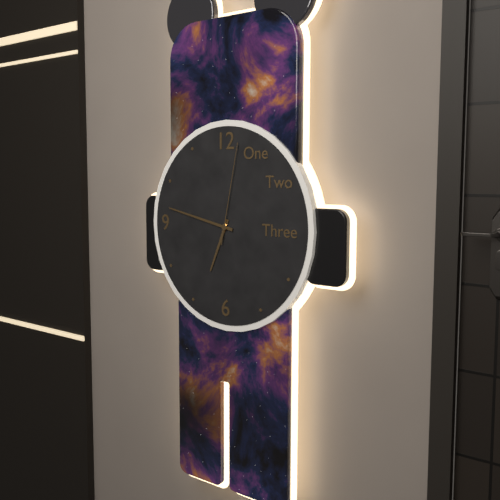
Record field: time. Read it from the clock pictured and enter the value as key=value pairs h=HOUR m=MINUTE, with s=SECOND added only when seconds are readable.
h=6 m=47 s=2
